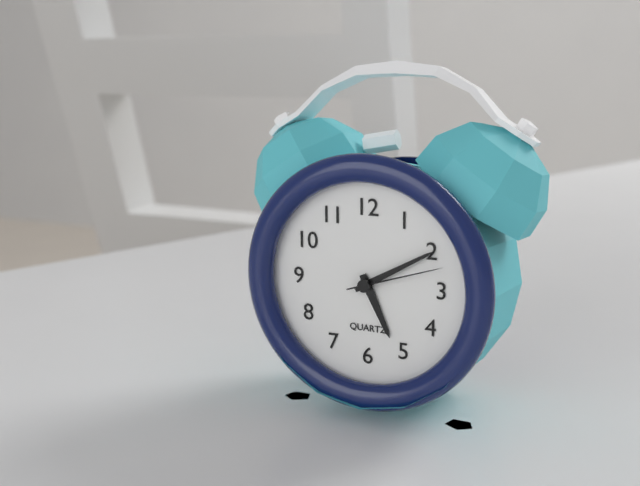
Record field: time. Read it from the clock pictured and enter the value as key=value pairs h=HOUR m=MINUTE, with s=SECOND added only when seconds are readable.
h=5 m=10 s=12
